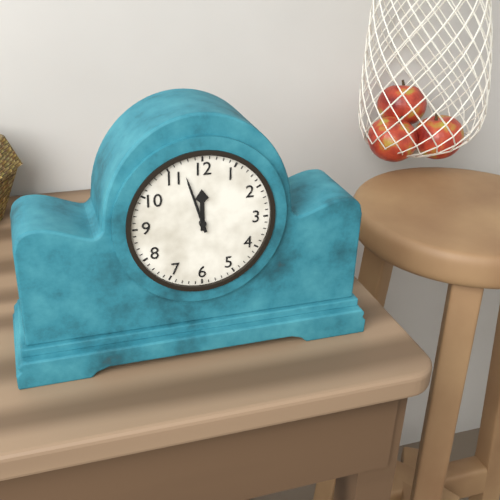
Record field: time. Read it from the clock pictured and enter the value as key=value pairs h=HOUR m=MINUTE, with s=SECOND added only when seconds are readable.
h=11 m=57
